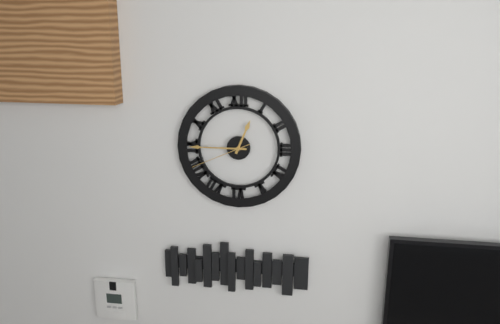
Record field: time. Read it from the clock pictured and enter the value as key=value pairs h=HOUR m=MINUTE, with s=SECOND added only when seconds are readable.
h=12 m=45 s=41
